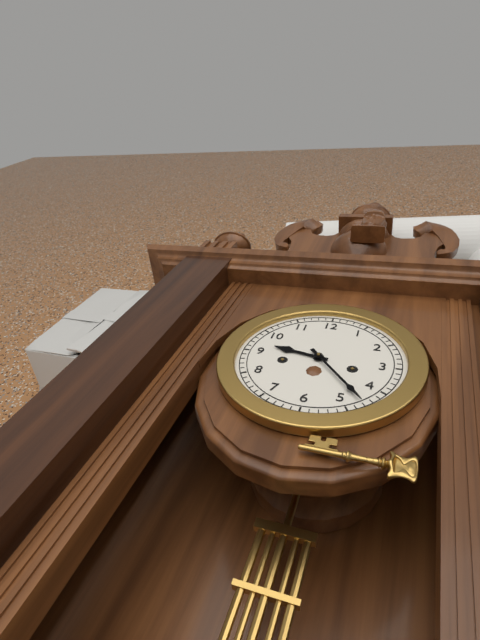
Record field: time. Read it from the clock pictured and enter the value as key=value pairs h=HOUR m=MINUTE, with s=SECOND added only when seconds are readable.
h=9 m=23
